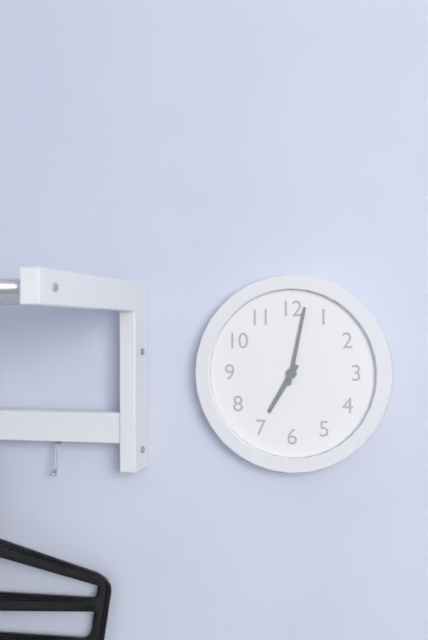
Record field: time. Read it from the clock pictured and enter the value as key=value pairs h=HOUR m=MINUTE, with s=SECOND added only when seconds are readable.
h=7 m=2
